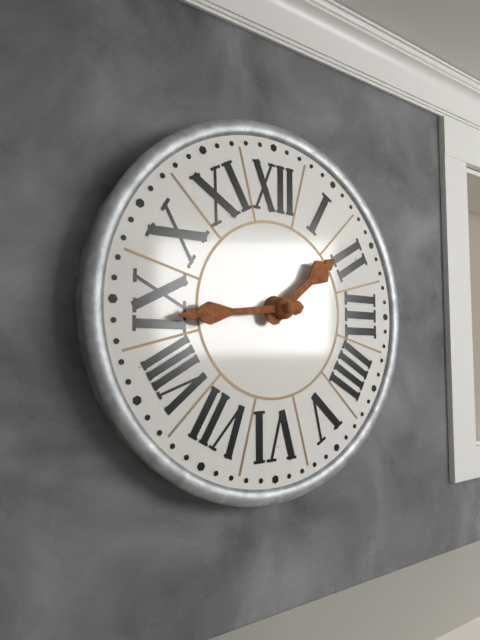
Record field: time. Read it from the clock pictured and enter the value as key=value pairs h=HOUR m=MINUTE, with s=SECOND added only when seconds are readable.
h=1 m=44
